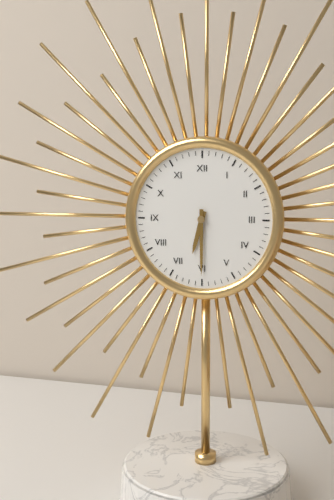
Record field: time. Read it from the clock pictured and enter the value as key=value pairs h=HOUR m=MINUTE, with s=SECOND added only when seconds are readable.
h=6 m=30
